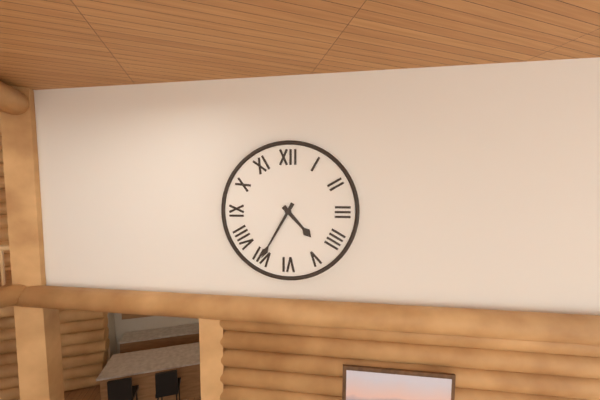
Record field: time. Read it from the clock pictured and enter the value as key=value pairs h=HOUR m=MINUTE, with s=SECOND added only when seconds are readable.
h=4 m=35
